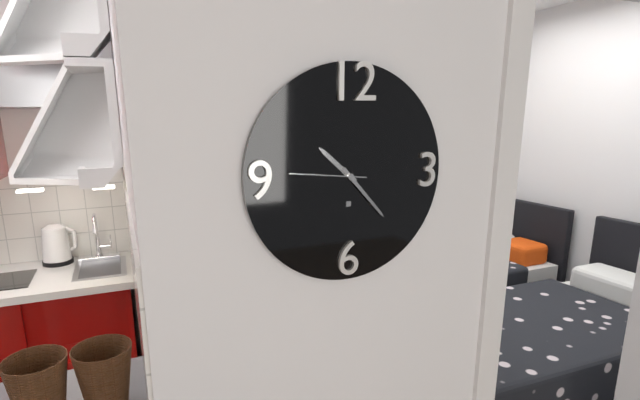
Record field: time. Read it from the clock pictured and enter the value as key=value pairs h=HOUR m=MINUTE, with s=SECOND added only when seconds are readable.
h=10 m=23 s=46
